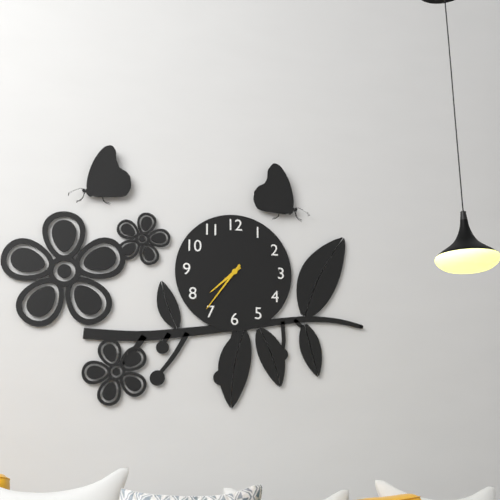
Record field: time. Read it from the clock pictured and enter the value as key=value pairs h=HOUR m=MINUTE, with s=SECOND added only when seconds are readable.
h=7 m=36
